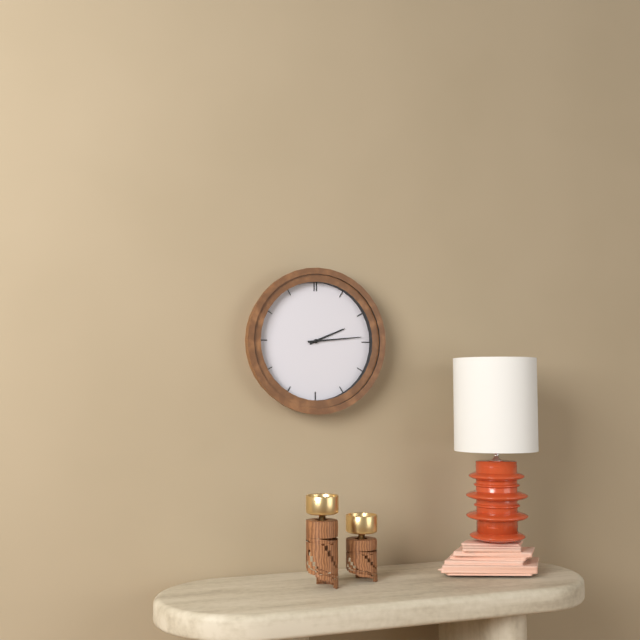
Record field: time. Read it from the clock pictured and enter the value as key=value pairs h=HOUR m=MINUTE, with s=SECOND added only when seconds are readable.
h=2 m=14
